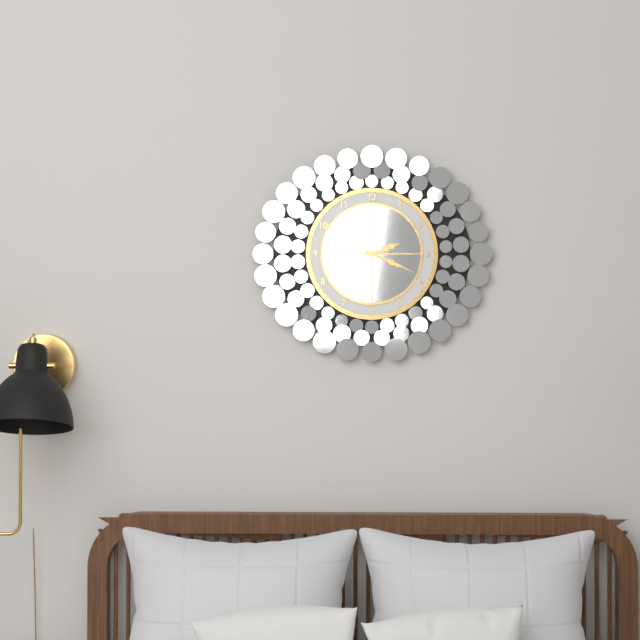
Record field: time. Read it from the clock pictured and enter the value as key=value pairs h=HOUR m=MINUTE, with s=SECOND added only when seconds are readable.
h=2 m=19 s=49
